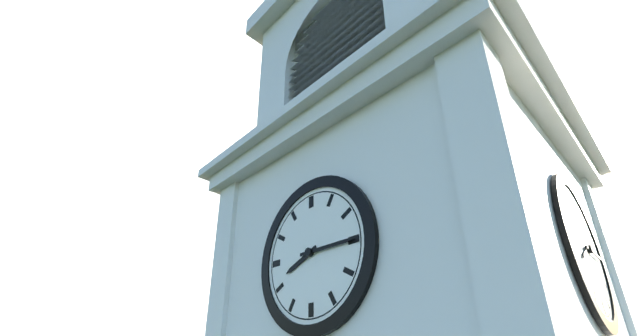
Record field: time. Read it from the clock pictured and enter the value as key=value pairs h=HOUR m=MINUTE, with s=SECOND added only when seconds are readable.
h=8 m=15
